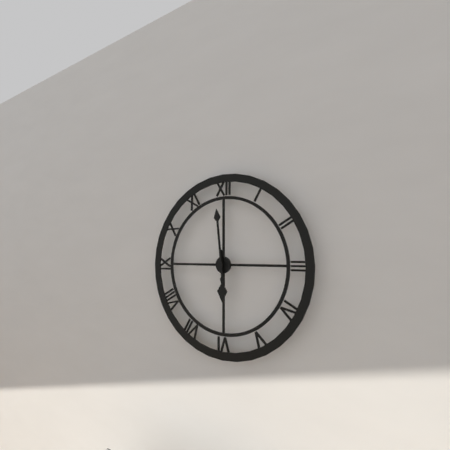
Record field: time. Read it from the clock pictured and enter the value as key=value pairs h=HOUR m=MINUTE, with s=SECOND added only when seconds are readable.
h=5 m=59
